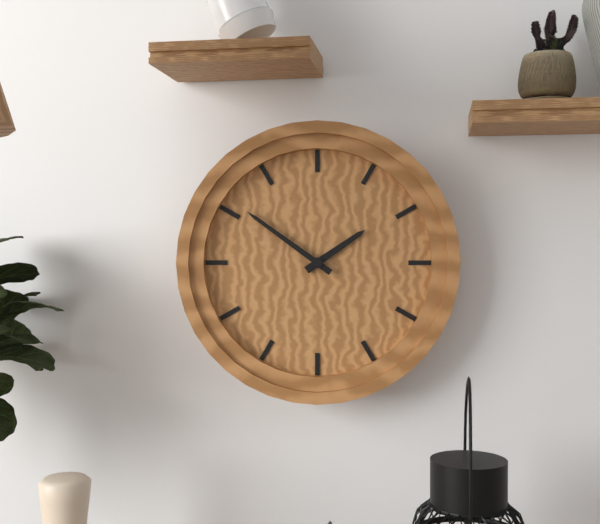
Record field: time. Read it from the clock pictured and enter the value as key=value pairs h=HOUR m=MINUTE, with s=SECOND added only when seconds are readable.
h=1 m=51
